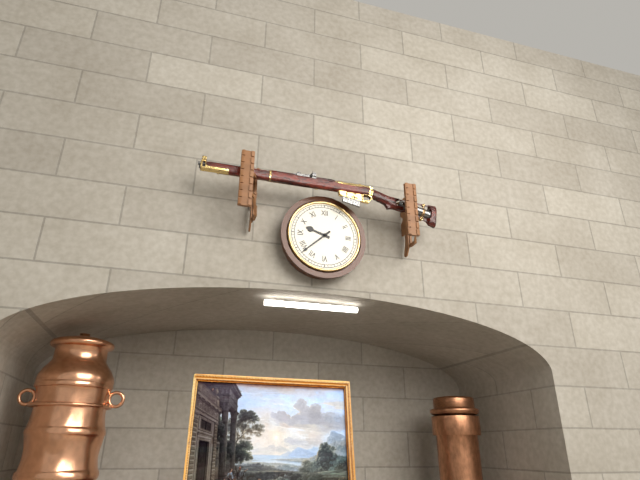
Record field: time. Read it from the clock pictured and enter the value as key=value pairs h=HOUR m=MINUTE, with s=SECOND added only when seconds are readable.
h=9 m=38
